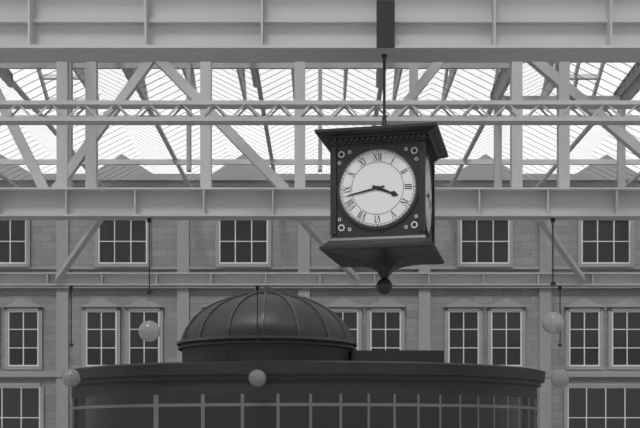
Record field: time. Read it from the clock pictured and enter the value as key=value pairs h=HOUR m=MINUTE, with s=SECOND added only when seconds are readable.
h=3 m=43
